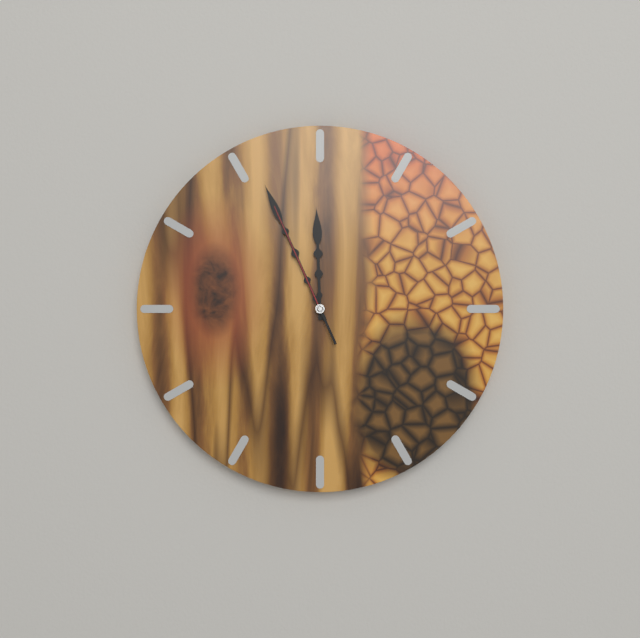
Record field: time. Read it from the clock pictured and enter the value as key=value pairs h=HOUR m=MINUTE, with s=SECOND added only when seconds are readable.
h=11 m=56 s=56
